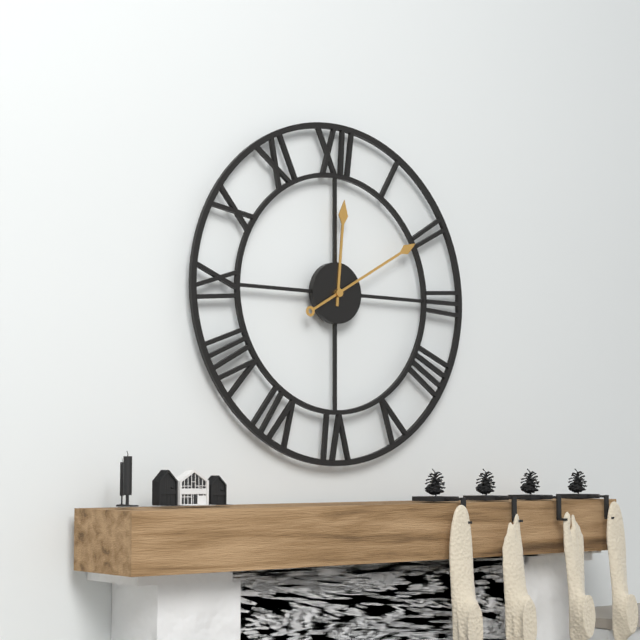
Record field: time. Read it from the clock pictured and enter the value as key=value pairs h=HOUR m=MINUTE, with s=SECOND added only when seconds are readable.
h=12 m=10
